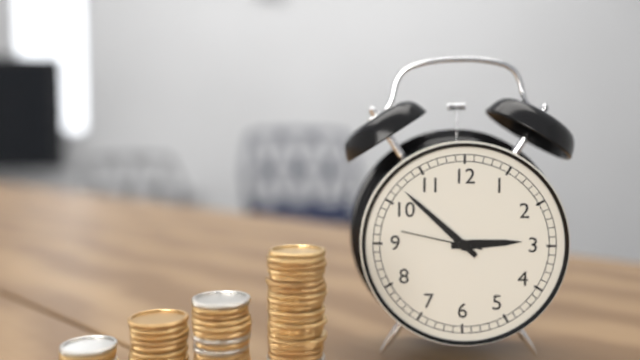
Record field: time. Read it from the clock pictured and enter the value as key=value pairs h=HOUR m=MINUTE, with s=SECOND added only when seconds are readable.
h=2 m=52 s=47
